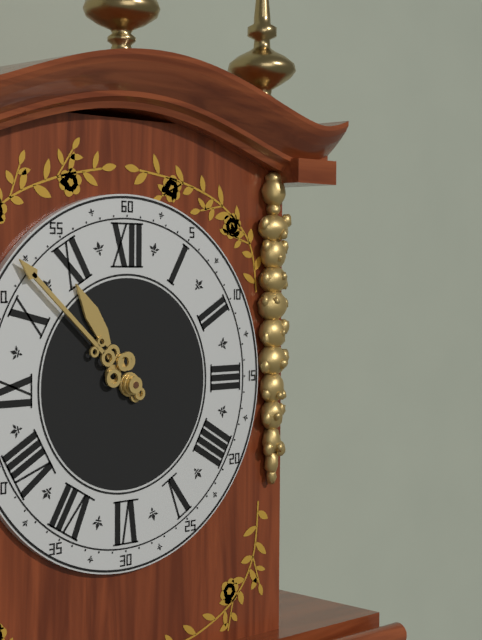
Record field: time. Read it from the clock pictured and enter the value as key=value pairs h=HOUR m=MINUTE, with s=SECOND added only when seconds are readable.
h=10 m=52
